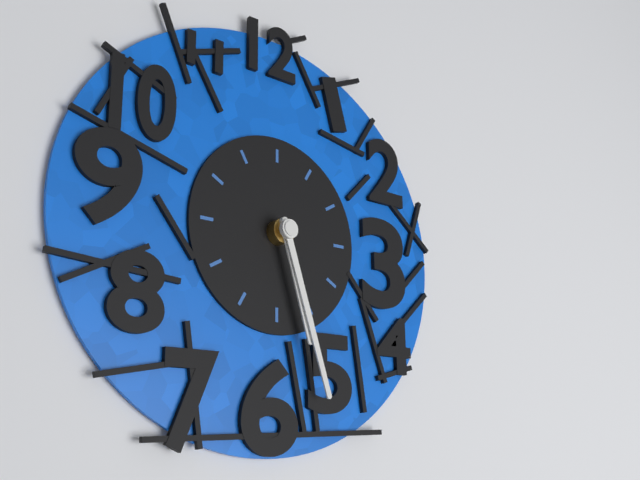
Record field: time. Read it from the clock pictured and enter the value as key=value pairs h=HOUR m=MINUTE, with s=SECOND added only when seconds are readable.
h=5 m=27
